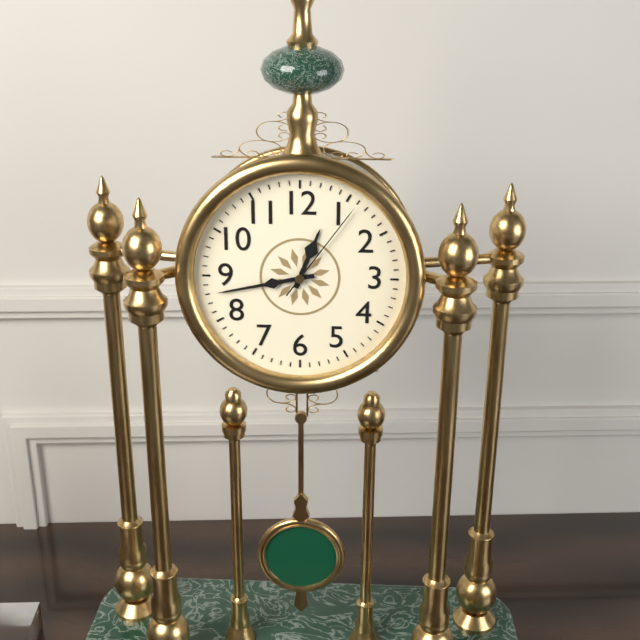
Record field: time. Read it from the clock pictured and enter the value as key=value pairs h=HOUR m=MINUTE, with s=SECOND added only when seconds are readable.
h=12 m=43 s=6
